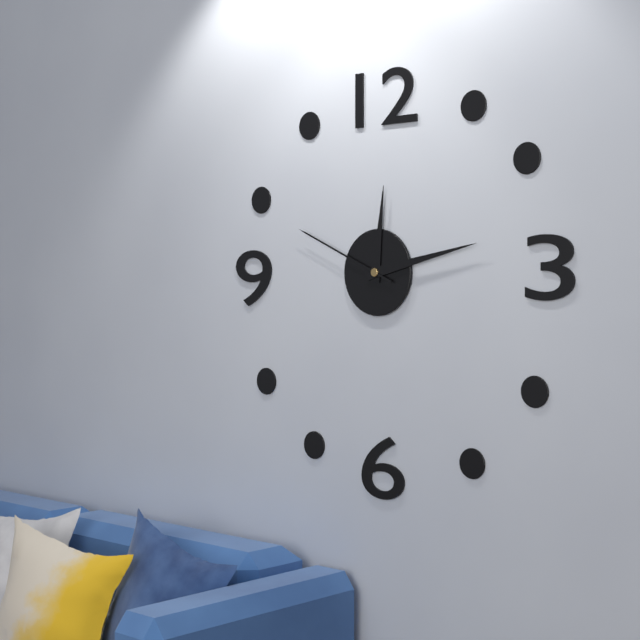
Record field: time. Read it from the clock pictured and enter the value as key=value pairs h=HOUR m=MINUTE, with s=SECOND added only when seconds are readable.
h=12 m=13 s=49
